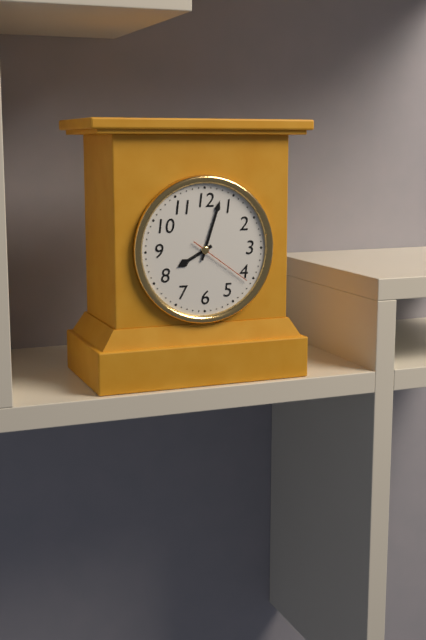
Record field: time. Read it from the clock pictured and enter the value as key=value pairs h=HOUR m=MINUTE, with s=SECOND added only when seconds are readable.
h=8 m=3 s=21
